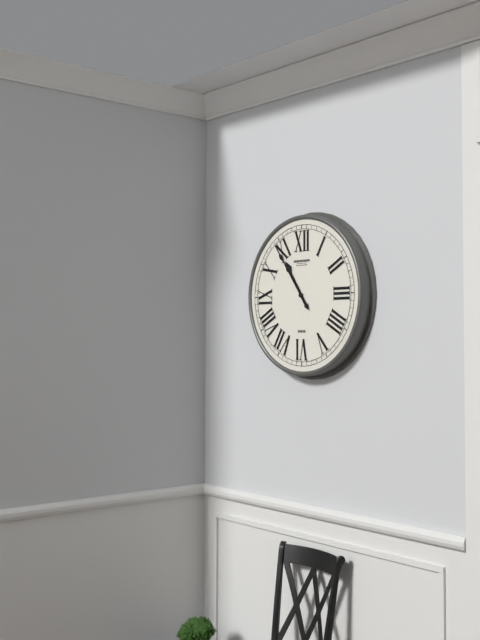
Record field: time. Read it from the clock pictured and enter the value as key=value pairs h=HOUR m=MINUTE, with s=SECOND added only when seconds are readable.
h=10 m=54
